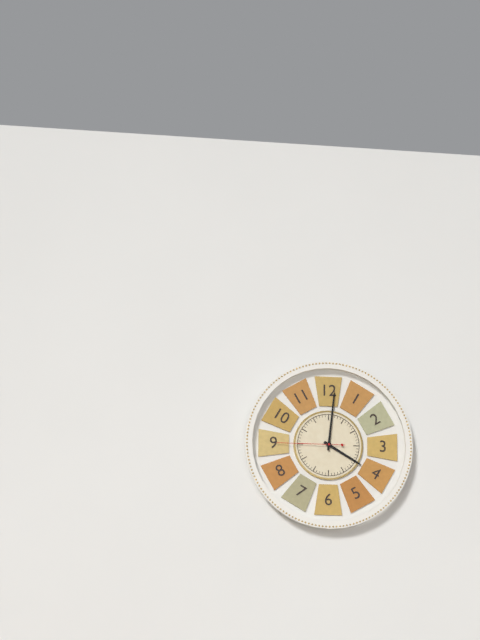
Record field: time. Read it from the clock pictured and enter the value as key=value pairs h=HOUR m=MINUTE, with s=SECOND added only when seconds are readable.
h=4 m=1 s=45
